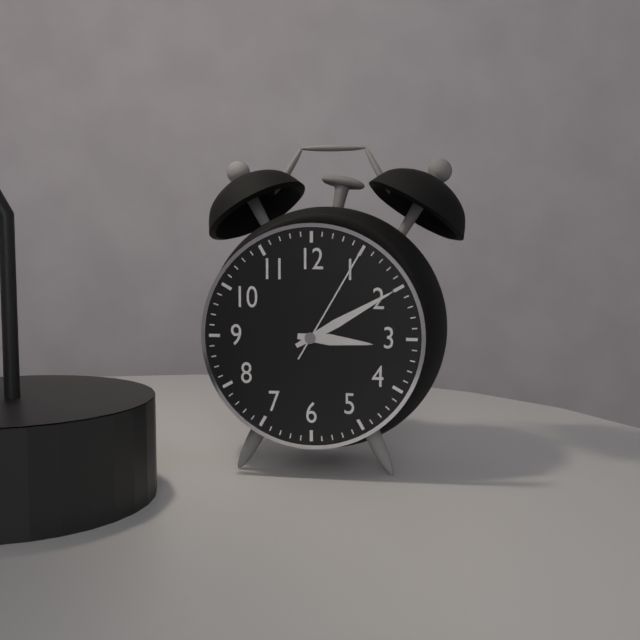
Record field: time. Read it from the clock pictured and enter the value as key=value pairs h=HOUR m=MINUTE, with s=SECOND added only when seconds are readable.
h=3 m=10 s=5
